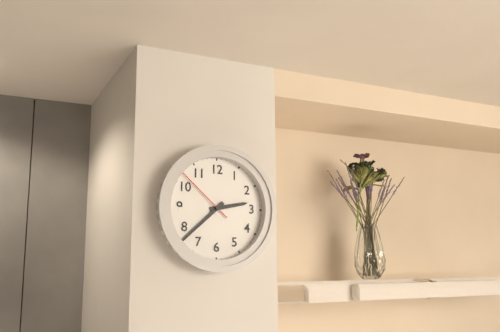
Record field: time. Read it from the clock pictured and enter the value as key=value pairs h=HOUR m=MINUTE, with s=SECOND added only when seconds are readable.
h=2 m=38 s=52
